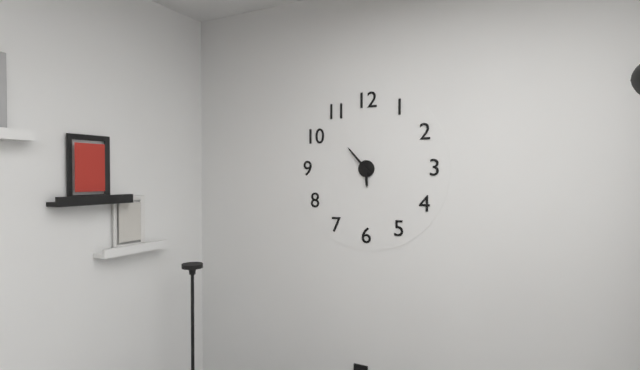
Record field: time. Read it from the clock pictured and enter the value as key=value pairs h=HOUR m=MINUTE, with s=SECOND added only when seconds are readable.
h=5 m=53
